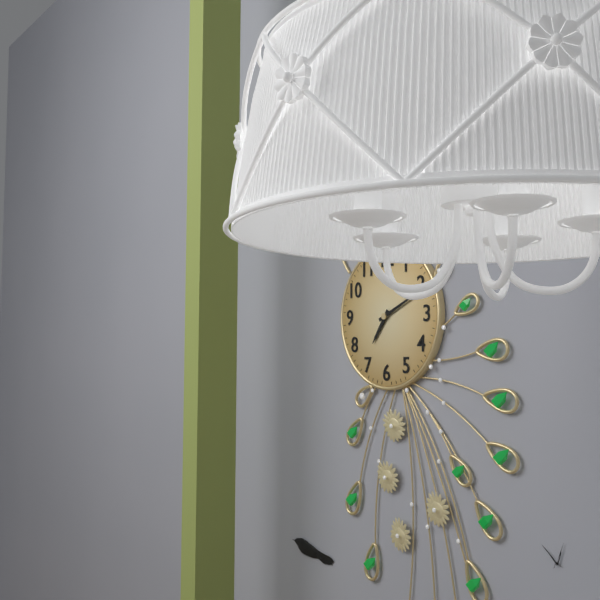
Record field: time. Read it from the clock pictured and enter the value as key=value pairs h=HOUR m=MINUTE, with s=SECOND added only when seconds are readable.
h=7 m=11
